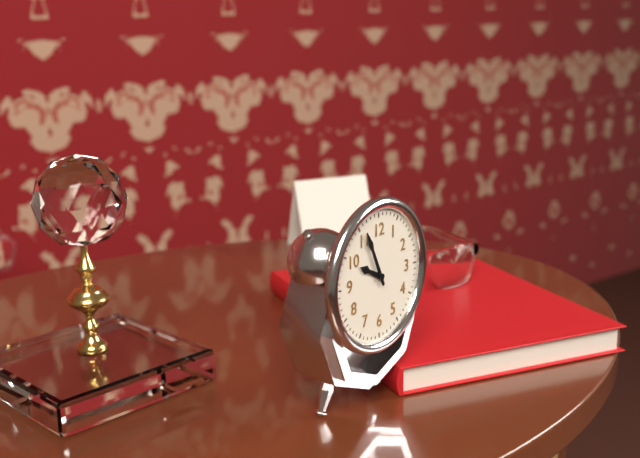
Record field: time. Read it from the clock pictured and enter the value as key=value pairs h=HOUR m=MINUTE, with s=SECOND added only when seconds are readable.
h=9 m=56
